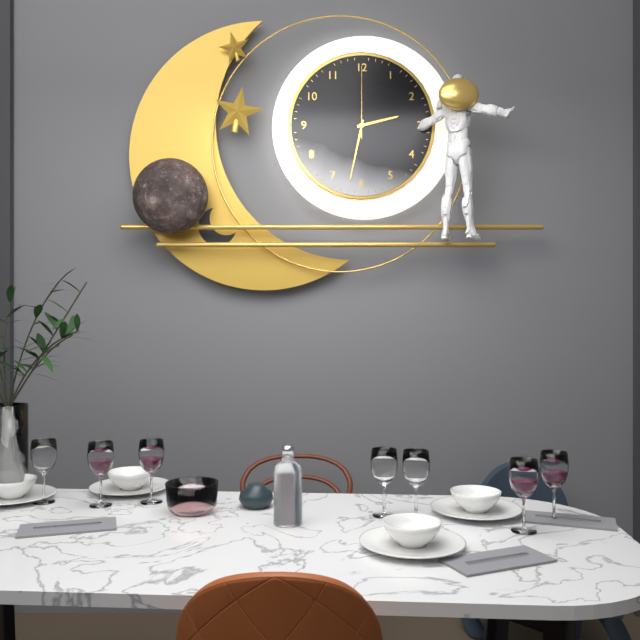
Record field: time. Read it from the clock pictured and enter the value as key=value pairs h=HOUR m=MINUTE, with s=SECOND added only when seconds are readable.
h=2 m=32 s=0
